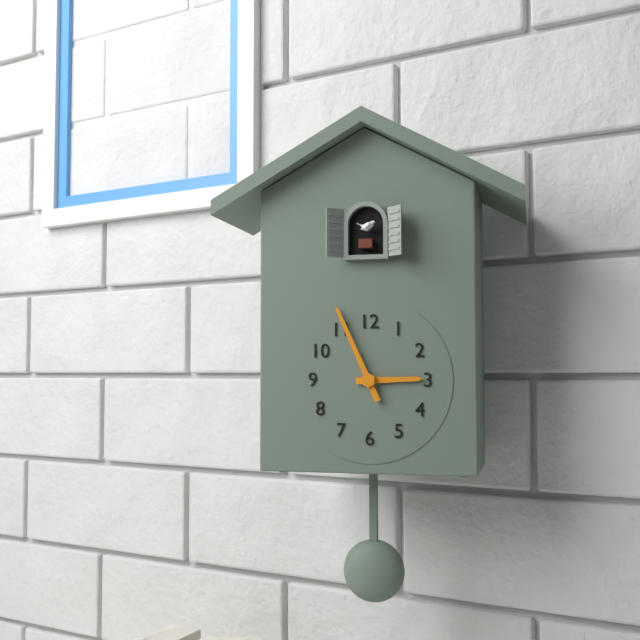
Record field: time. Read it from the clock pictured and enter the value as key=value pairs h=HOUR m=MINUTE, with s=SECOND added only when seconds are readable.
h=2 m=56
